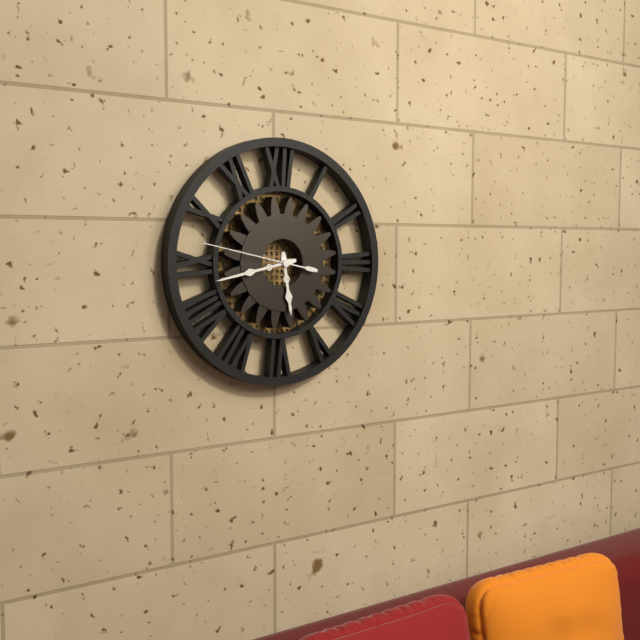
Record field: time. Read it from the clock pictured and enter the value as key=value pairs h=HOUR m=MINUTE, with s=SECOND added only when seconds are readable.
h=5 m=43 s=47
